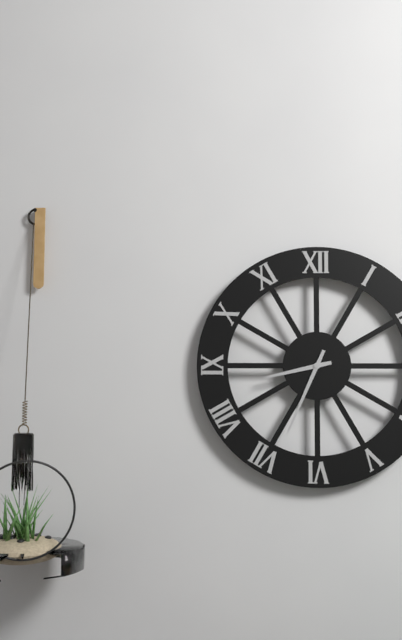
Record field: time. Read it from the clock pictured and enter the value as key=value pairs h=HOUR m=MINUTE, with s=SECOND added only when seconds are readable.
h=8 m=34
